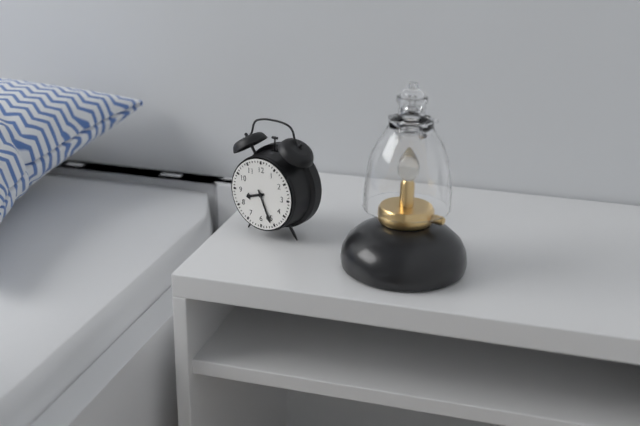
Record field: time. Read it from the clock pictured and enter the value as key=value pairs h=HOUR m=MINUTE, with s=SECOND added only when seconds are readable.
h=8 m=26
